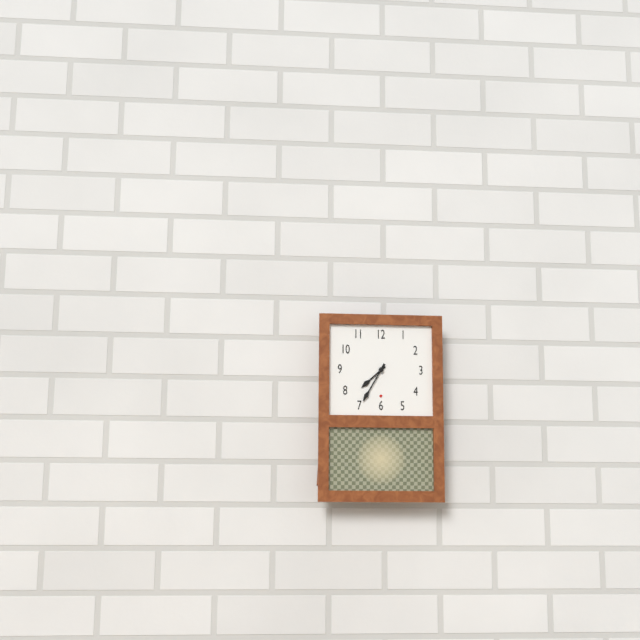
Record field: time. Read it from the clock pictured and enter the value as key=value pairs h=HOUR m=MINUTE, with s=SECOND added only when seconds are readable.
h=7 m=35
